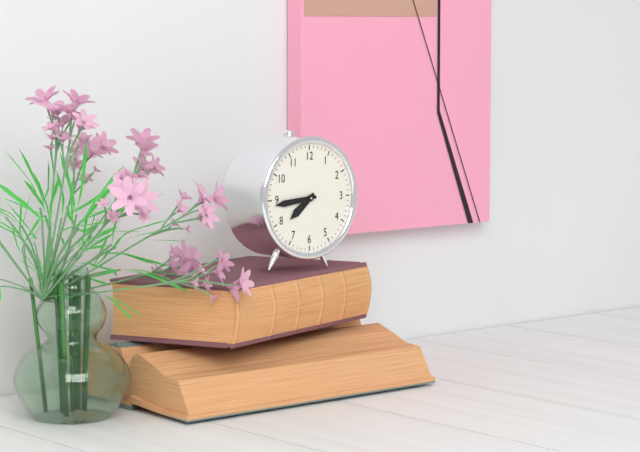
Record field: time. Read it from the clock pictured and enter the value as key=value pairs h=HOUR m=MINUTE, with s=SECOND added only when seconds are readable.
h=7 m=44
